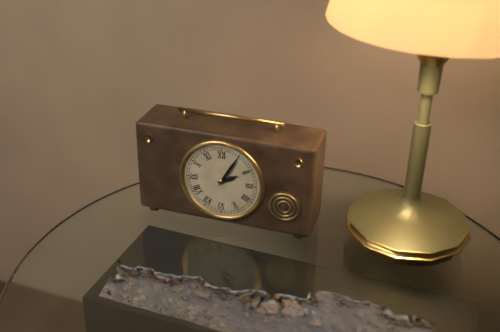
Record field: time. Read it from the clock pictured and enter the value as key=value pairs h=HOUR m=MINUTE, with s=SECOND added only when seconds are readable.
h=2 m=5
